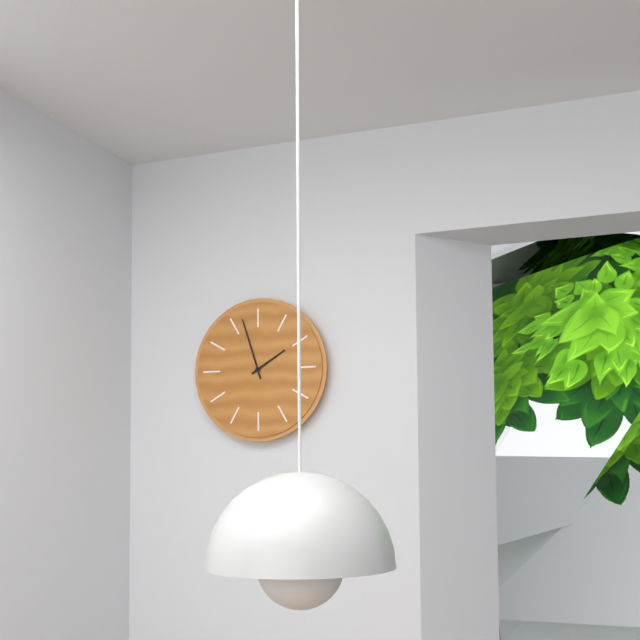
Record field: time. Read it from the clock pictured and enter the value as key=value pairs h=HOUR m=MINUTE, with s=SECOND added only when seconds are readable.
h=1 m=57
